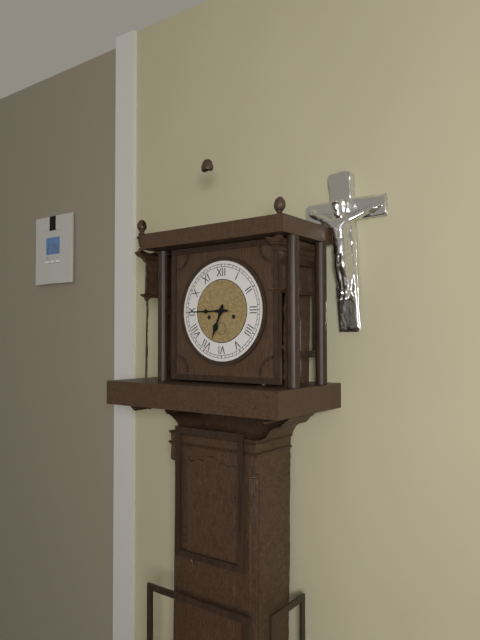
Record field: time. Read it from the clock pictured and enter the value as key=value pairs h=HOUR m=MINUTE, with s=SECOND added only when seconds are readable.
h=6 m=45
